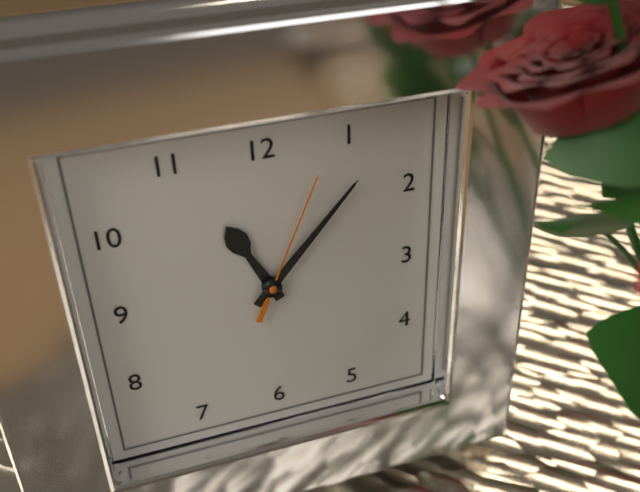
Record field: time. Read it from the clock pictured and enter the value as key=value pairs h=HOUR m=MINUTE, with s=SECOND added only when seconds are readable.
h=11 m=7 s=4
